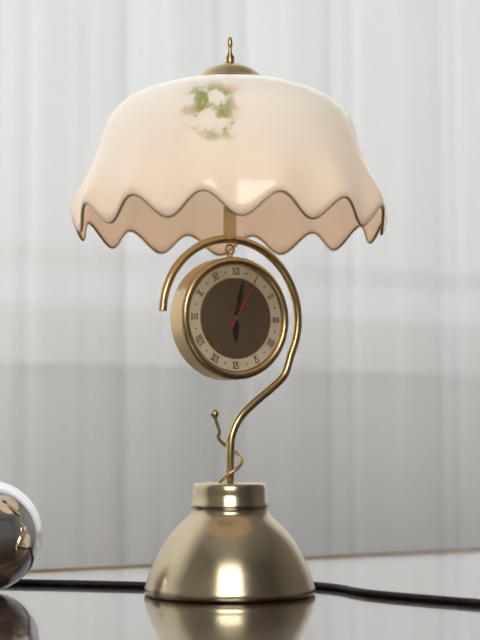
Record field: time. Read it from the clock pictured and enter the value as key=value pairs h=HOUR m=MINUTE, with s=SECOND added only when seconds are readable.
h=6 m=2 s=5
